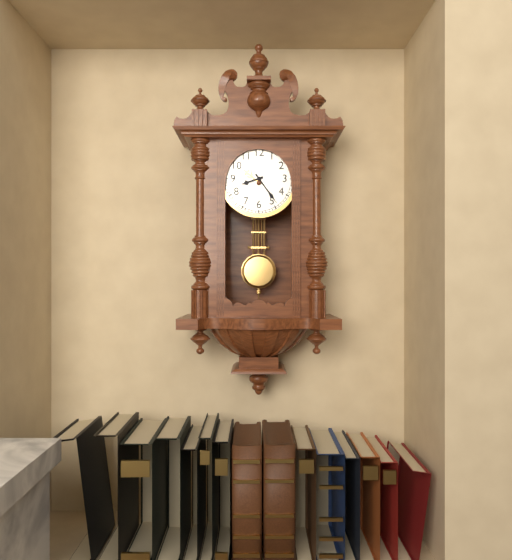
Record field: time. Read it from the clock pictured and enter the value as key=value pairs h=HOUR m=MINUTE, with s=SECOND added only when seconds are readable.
h=8 m=24
